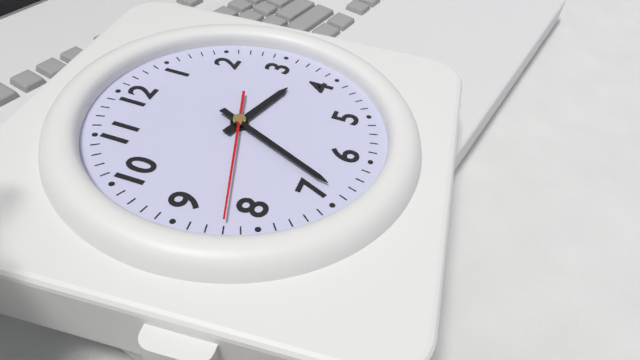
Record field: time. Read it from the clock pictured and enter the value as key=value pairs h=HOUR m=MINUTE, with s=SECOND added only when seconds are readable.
h=3 m=34 s=42
